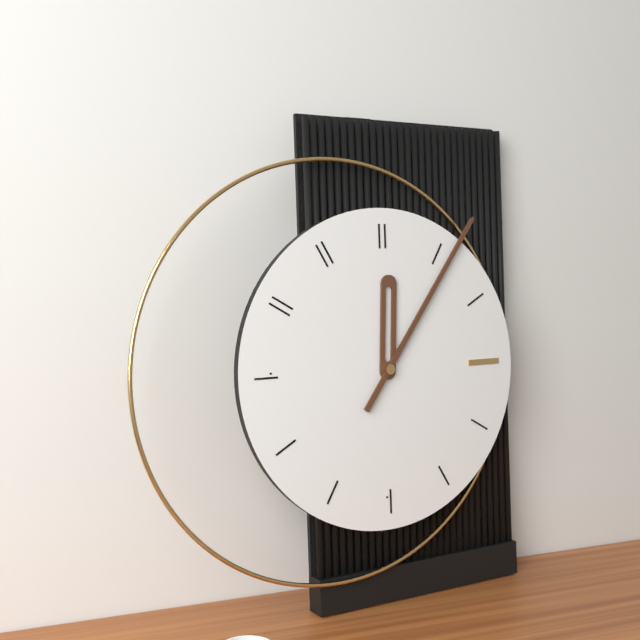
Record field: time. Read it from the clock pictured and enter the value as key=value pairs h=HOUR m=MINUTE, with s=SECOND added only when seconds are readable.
h=12 m=6
